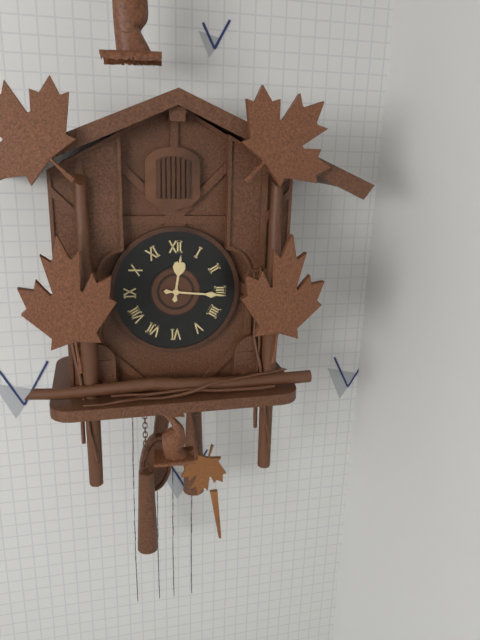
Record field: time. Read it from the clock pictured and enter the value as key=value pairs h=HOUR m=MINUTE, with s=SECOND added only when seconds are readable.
h=12 m=16
